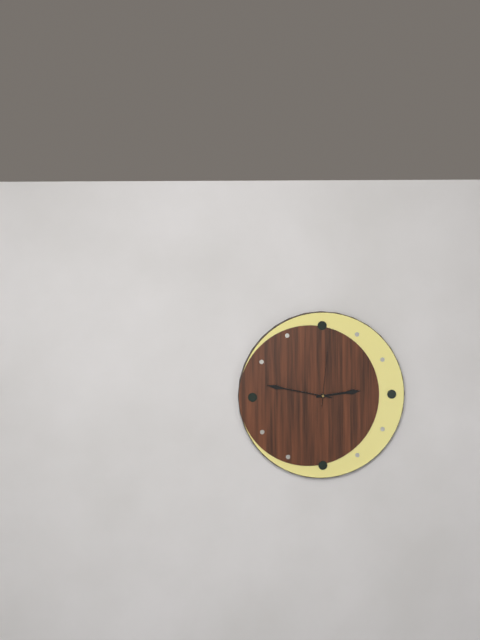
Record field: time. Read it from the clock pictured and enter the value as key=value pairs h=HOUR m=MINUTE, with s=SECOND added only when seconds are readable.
h=2 m=47 s=1
